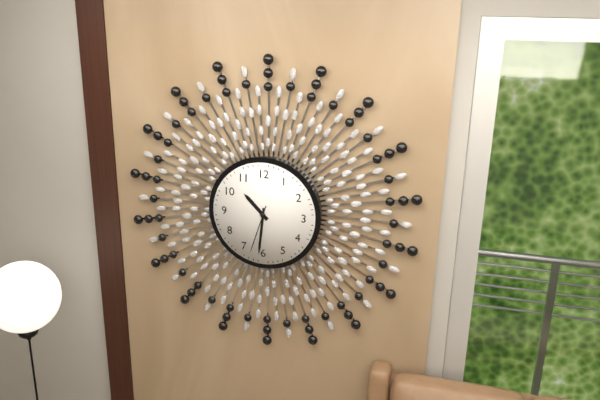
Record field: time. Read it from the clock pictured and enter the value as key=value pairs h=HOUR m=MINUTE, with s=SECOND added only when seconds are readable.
h=10 m=31 s=33
